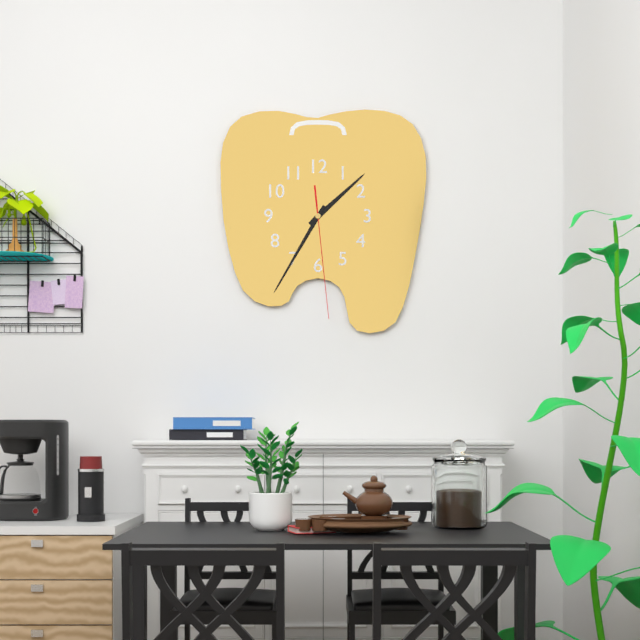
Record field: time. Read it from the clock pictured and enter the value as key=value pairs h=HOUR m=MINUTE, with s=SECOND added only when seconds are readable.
h=1 m=35 s=29
